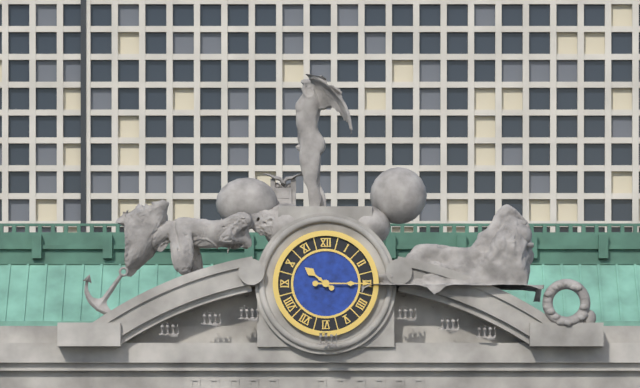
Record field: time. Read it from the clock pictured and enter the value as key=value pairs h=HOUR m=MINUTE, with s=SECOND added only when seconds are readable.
h=10 m=15
